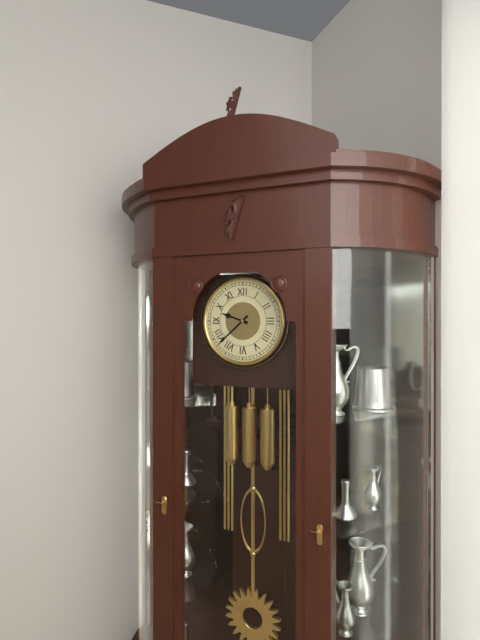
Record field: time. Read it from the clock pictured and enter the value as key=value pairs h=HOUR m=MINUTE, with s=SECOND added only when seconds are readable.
h=9 m=38
